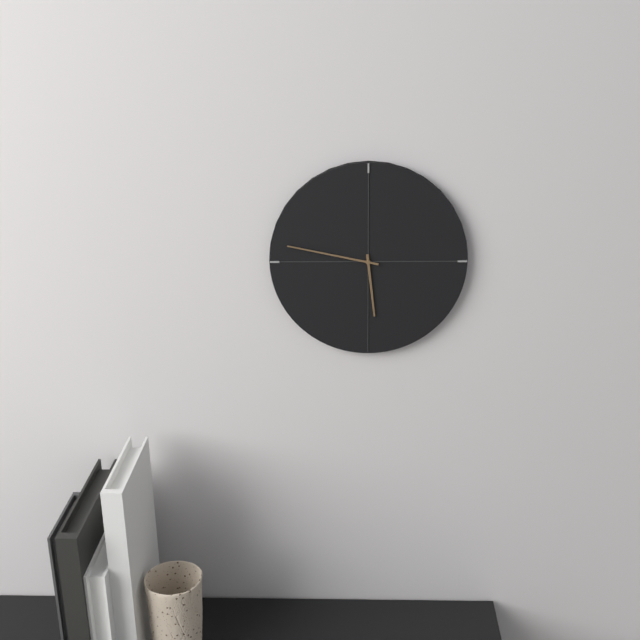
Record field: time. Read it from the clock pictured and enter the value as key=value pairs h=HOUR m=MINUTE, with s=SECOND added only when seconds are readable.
h=5 m=47
